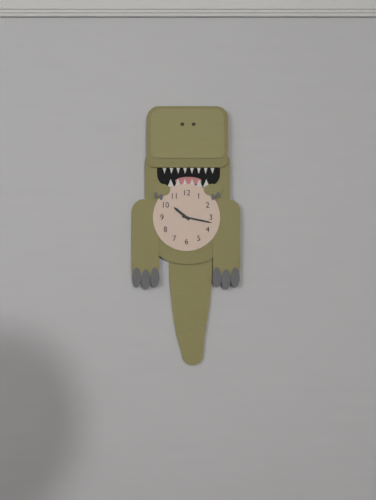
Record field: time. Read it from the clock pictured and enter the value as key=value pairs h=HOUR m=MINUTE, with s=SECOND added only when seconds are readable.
h=10 m=17
